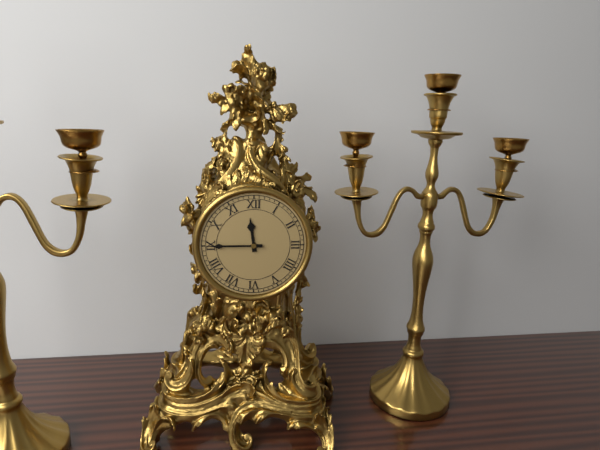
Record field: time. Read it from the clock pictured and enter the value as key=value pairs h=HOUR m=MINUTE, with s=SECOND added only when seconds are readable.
h=11 m=45
